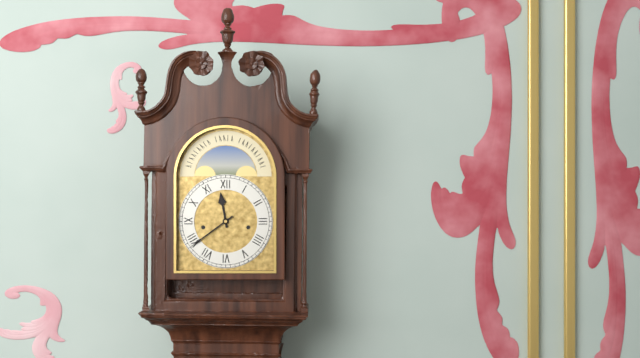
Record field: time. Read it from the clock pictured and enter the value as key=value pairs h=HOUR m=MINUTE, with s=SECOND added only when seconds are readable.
h=11 m=39
